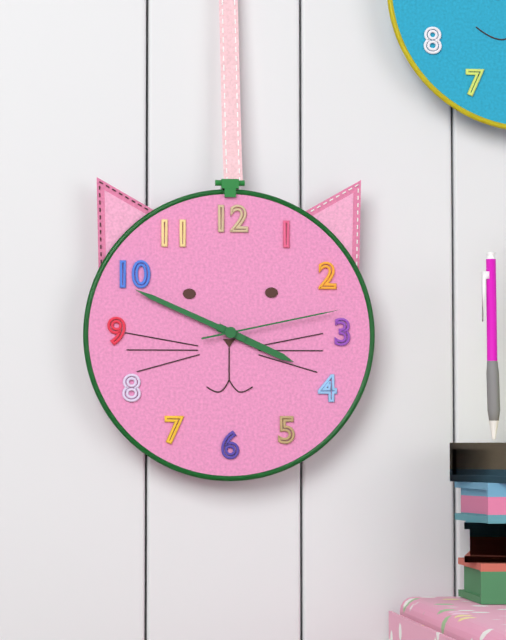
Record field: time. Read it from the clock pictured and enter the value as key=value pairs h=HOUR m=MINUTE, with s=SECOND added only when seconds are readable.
h=3 m=49 s=13
